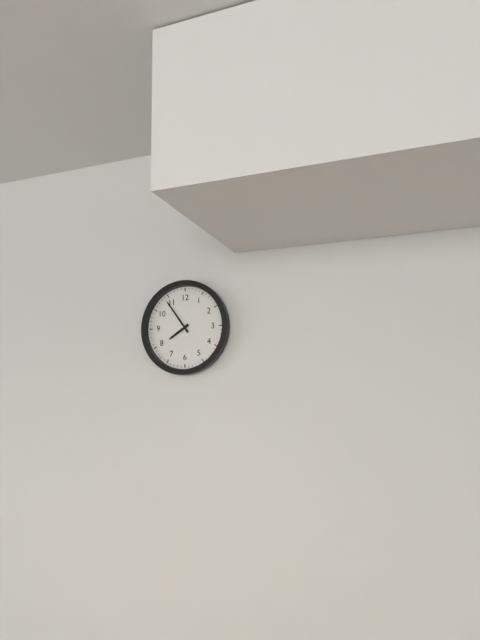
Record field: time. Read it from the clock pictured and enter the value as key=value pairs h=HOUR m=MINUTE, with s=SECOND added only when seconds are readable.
h=7 m=54
